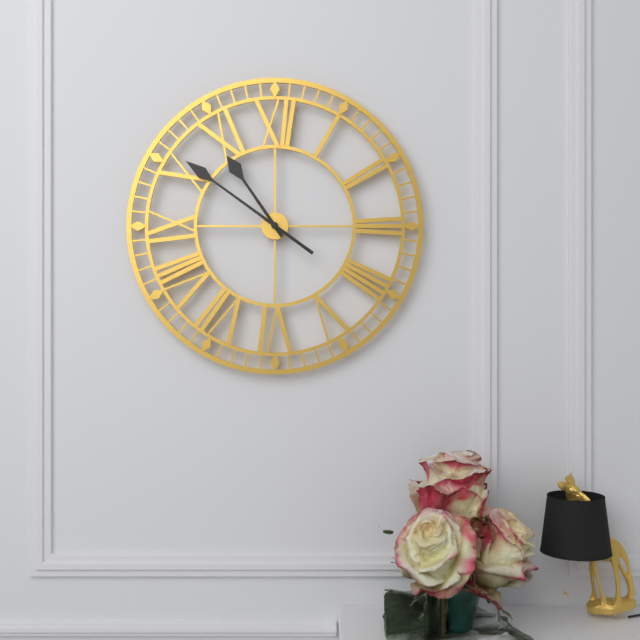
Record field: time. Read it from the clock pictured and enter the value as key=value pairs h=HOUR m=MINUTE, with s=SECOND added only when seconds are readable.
h=10 m=51
